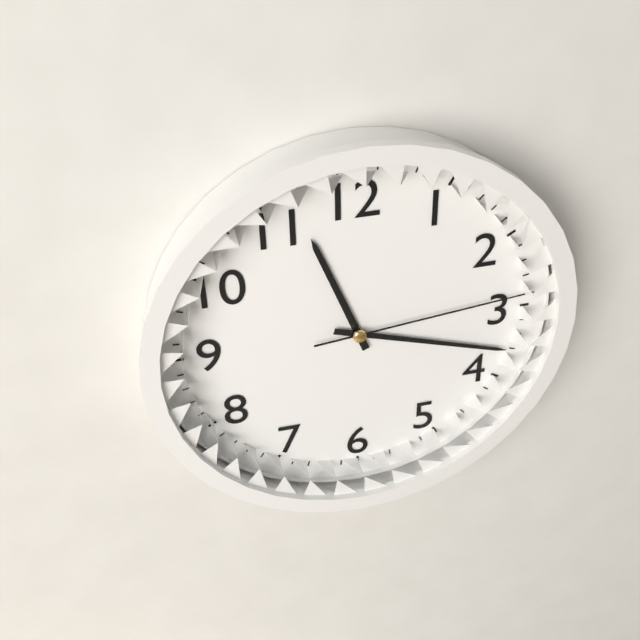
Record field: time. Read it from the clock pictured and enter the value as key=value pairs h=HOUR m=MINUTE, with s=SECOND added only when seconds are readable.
h=11 m=18 s=14
